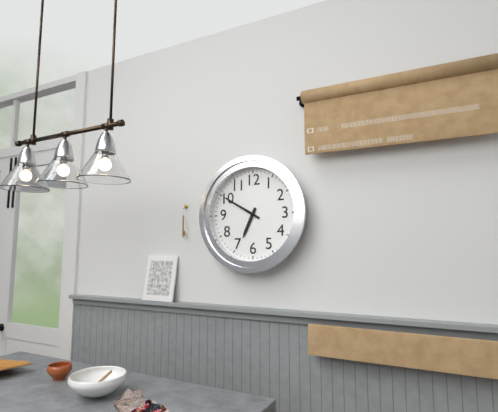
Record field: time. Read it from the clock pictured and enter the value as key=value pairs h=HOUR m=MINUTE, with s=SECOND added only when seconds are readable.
h=6 m=50
